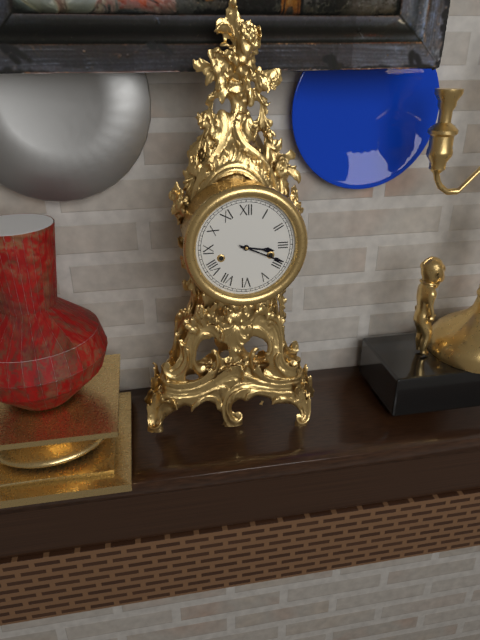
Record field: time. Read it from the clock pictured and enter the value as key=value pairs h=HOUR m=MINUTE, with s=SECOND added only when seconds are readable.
h=3 m=19
